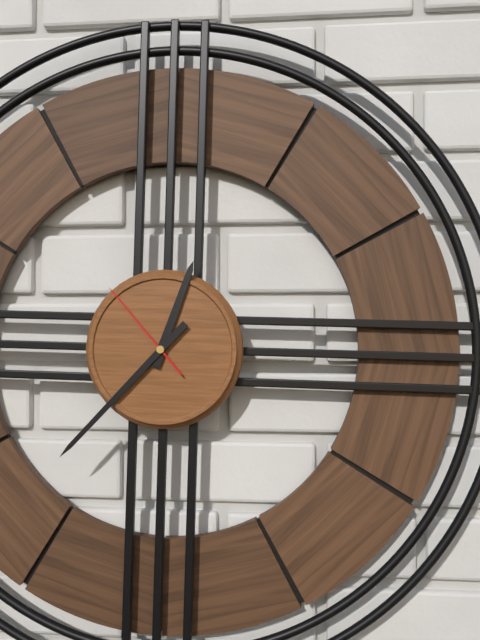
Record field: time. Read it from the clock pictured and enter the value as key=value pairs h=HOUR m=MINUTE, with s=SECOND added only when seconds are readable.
h=12 m=37 s=53
